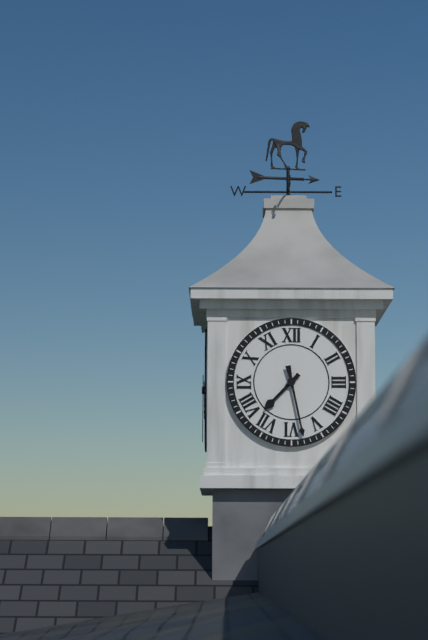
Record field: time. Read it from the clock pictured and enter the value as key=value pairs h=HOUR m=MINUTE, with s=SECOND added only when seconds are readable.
h=7 m=28
